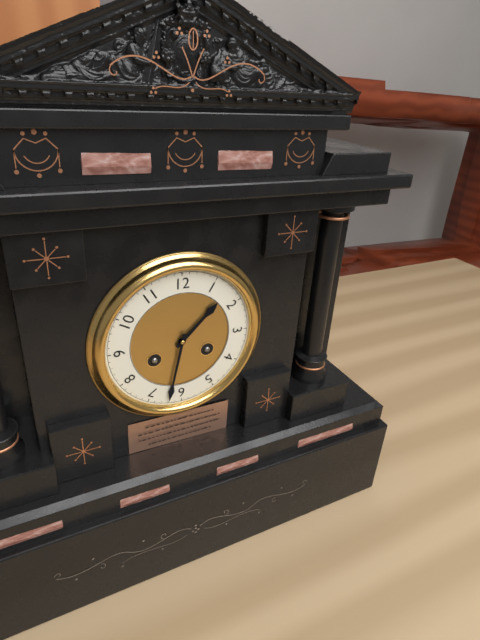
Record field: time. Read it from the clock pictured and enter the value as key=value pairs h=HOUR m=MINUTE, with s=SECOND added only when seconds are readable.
h=1 m=32
